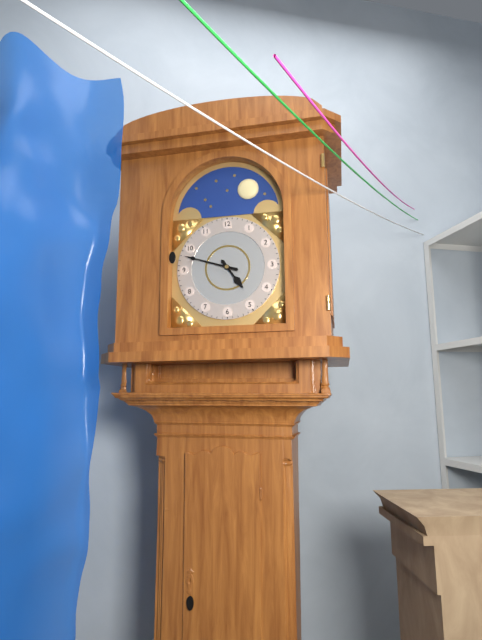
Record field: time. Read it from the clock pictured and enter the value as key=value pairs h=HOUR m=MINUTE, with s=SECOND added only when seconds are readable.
h=4 m=48
